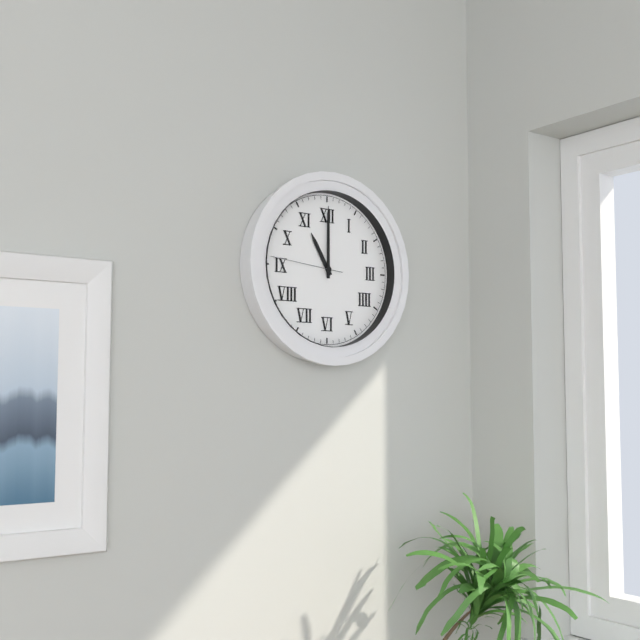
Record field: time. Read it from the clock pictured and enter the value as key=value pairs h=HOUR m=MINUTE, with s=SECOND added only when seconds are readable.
h=11 m=0 s=46
